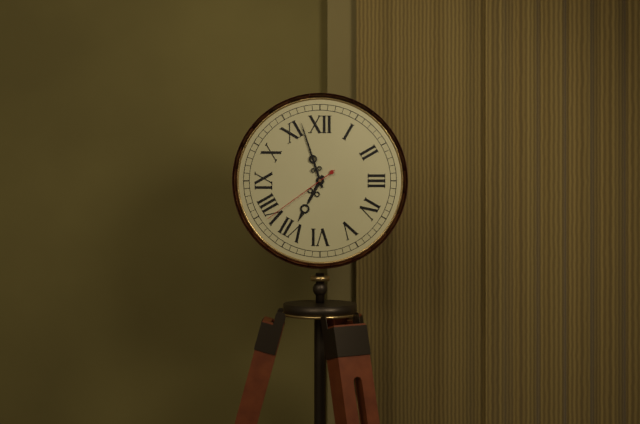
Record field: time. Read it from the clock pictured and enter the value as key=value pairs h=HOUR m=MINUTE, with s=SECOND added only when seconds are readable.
h=6 m=57 s=39
